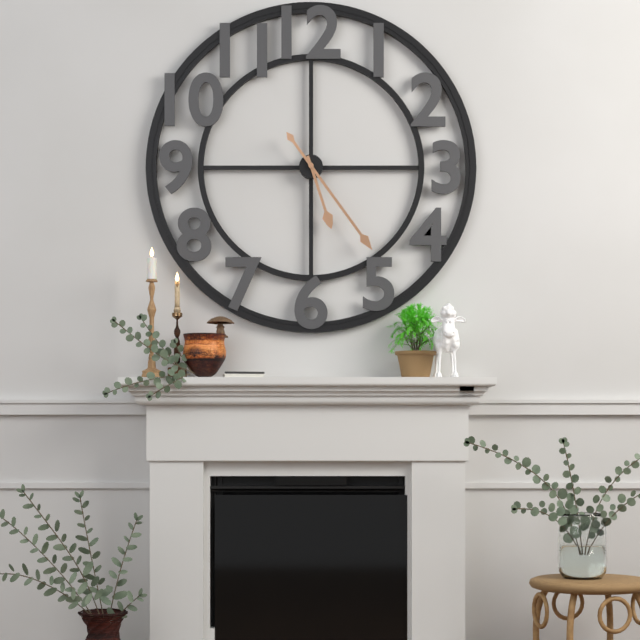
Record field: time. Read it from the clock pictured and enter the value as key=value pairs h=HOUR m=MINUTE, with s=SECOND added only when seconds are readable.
h=5 m=24
